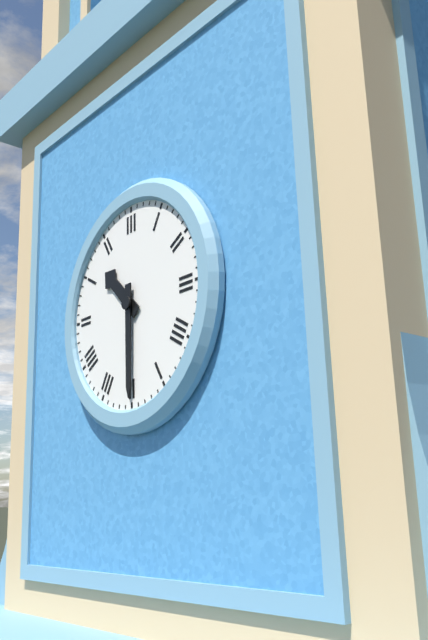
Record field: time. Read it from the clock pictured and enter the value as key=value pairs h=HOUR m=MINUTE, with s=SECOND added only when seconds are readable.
h=10 m=30
